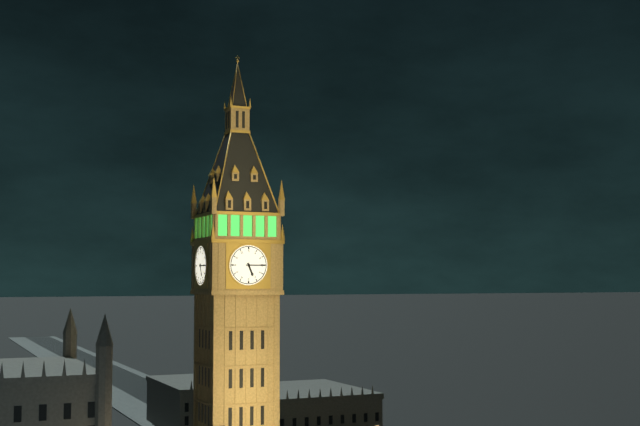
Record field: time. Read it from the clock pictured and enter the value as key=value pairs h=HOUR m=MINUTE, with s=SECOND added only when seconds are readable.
h=5 m=15
